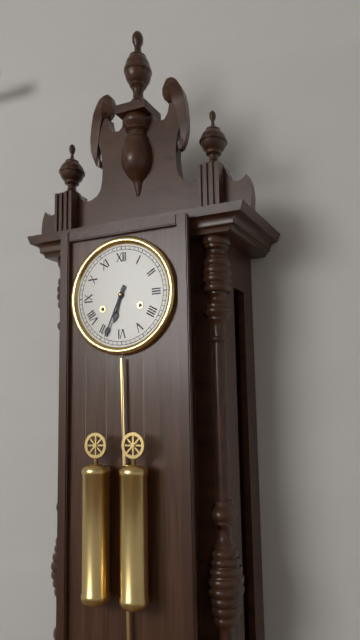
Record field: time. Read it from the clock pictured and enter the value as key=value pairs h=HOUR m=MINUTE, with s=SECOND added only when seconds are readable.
h=6 m=34
